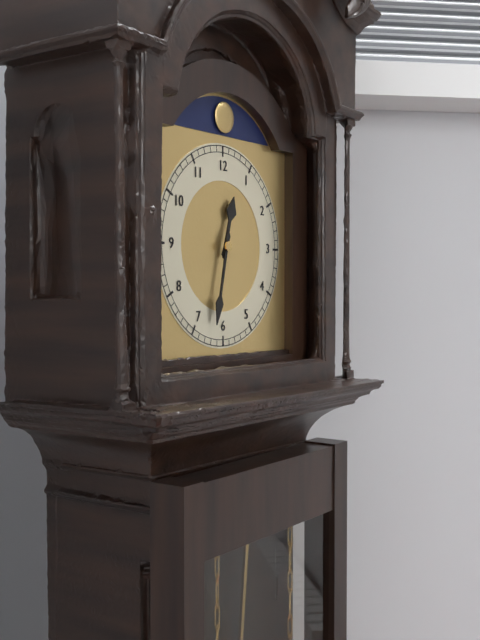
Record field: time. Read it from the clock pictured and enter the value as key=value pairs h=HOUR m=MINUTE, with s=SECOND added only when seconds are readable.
h=12 m=32
